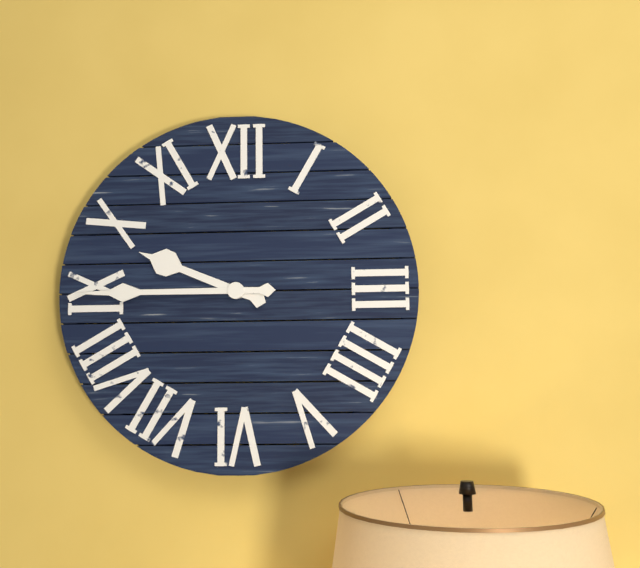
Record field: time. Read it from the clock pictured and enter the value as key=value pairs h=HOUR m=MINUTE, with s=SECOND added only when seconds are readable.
h=9 m=45
